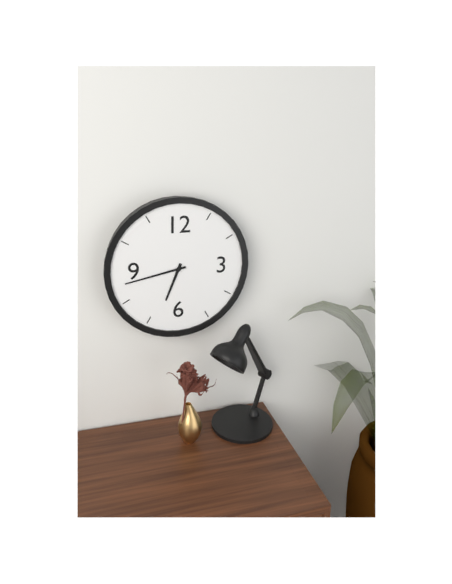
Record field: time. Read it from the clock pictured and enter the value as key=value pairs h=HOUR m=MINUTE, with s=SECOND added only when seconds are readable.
h=6 m=43
